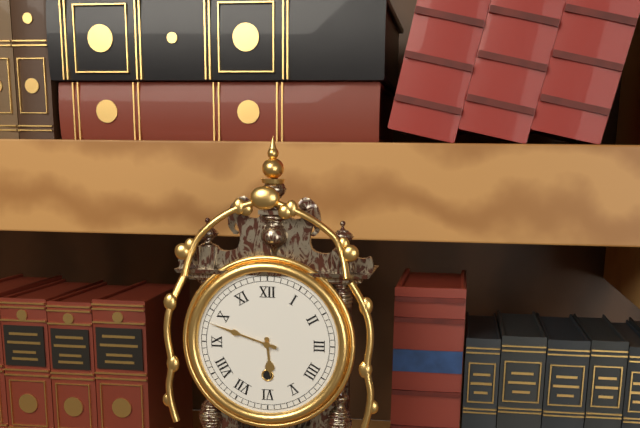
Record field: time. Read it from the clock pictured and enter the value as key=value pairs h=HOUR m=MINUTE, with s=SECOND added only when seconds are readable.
h=5 m=48
